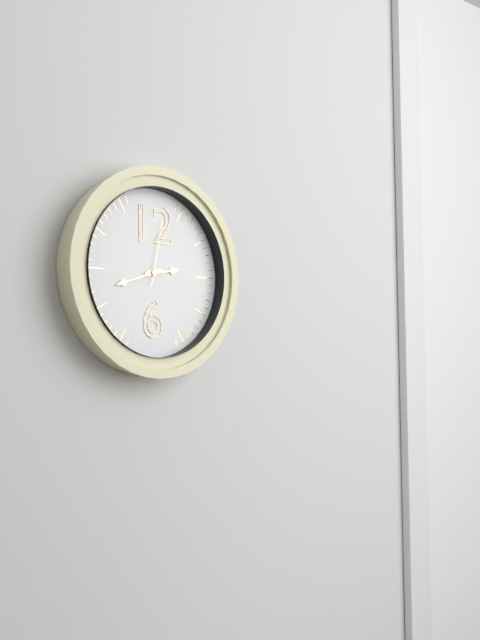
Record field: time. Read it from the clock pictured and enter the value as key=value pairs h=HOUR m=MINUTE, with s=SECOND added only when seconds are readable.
h=2 m=42 s=2
